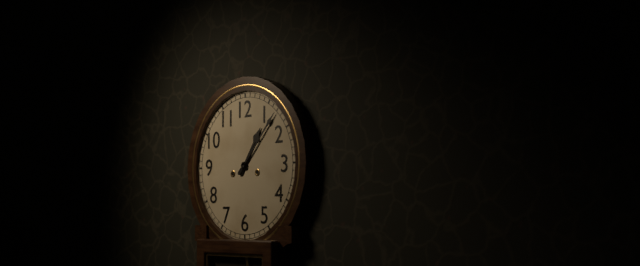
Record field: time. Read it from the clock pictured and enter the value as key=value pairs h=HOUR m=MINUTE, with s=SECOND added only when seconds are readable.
h=1 m=7
